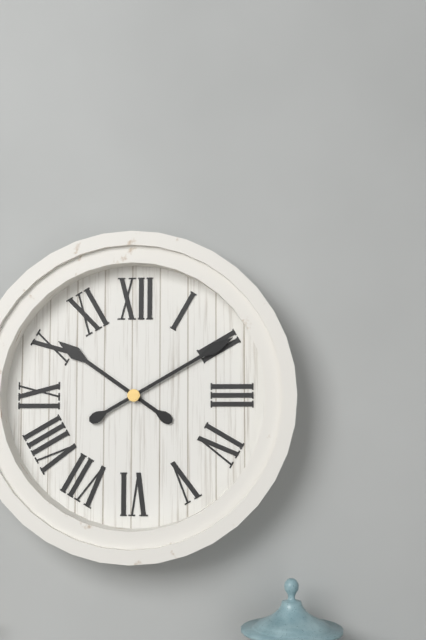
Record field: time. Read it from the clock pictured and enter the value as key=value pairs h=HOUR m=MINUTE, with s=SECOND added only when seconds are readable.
h=10 m=10
